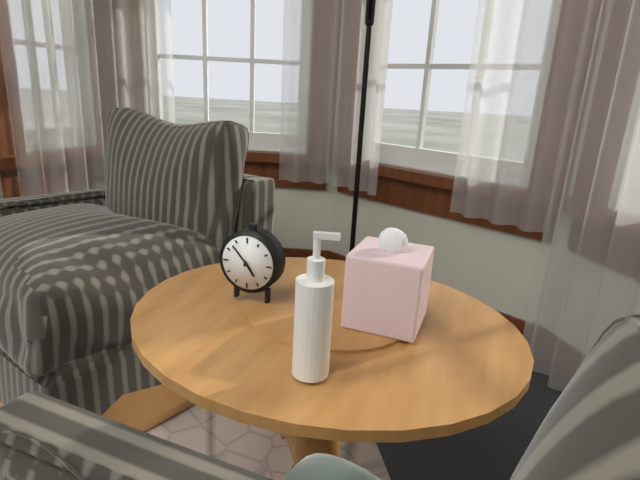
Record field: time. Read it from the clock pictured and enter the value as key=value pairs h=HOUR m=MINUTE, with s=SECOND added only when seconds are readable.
h=4 m=53
